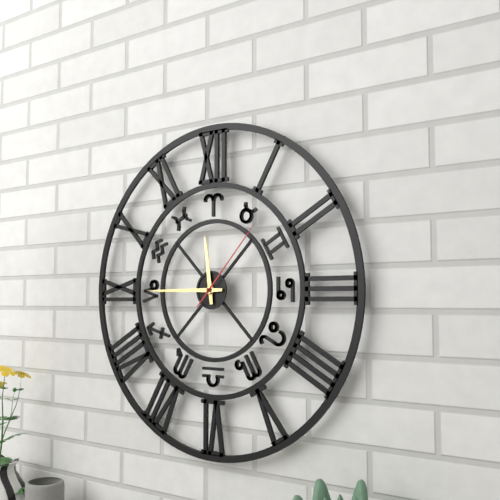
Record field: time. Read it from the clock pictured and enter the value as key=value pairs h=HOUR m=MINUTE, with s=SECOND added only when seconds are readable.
h=11 m=45 s=7
